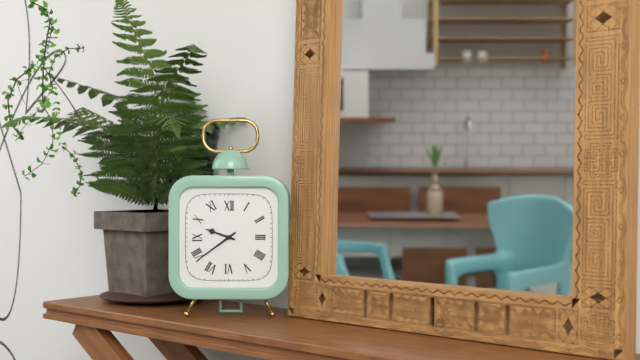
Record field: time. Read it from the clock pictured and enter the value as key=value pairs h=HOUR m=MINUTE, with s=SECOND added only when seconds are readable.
h=9 m=39
